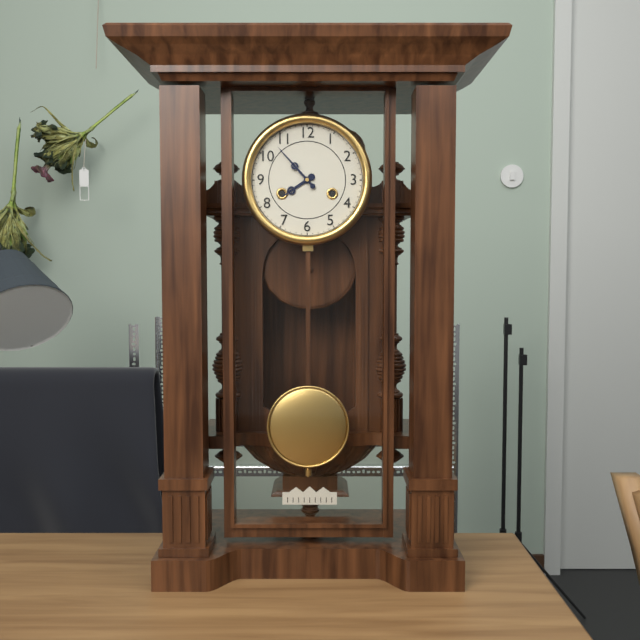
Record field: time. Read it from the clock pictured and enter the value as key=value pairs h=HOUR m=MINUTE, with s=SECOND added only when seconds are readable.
h=7 m=53
